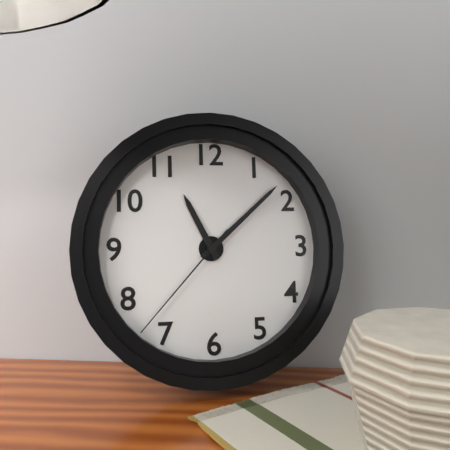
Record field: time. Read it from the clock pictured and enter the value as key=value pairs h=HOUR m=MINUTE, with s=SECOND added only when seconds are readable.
h=11 m=8 s=37
